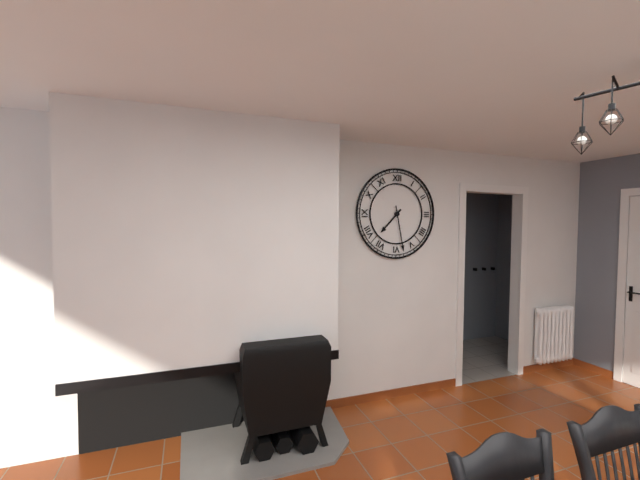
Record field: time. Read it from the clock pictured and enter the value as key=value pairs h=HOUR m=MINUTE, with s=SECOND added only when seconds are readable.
h=7 m=28
